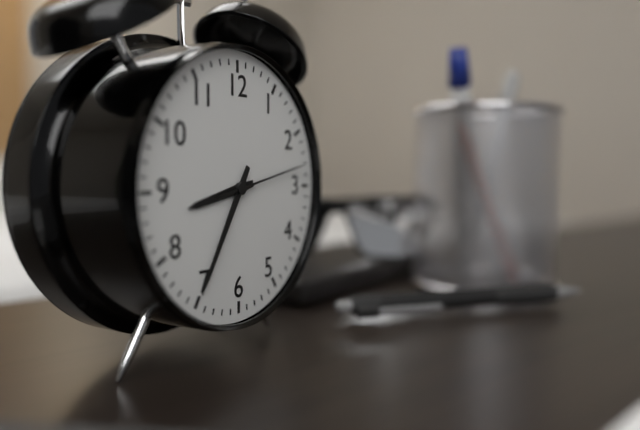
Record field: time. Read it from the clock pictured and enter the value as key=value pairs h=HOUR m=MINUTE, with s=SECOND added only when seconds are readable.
h=8 m=35 s=13
